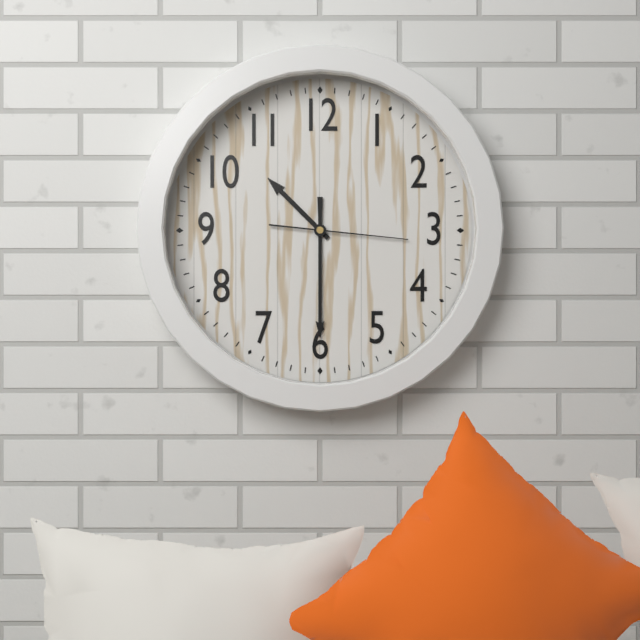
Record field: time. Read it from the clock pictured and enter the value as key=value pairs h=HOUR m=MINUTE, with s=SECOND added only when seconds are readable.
h=10 m=30 s=16
